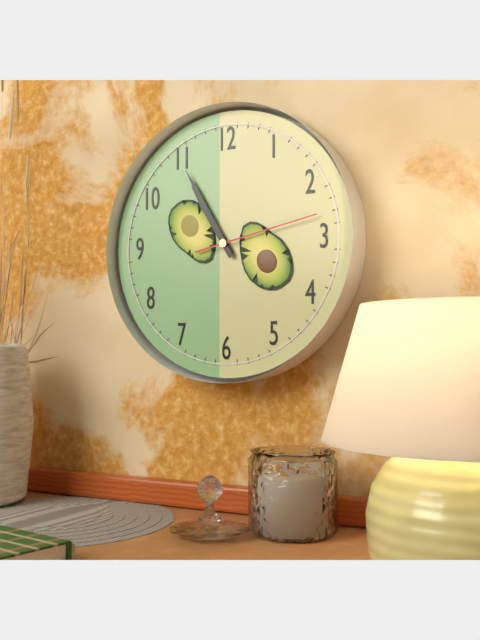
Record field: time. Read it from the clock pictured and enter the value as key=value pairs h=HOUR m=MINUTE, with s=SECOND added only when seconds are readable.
h=10 m=55 s=13
